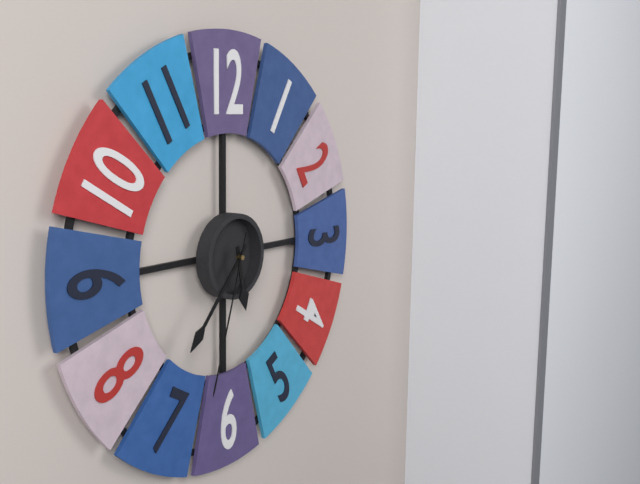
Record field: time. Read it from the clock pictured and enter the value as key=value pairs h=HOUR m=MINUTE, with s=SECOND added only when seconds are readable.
h=5 m=37 s=33
